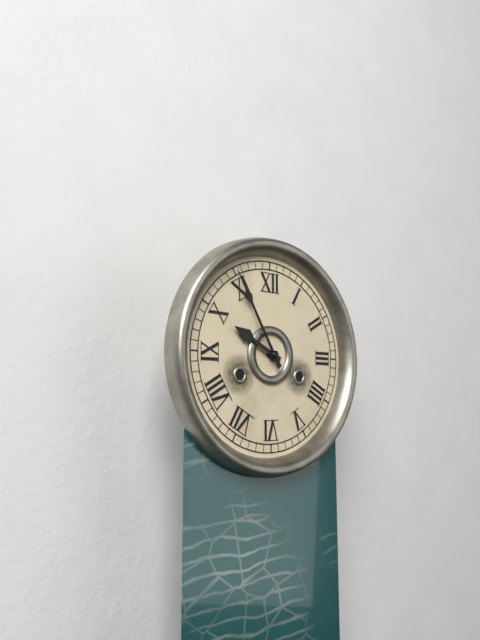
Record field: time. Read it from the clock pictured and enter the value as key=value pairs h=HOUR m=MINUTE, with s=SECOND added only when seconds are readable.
h=9 m=55
